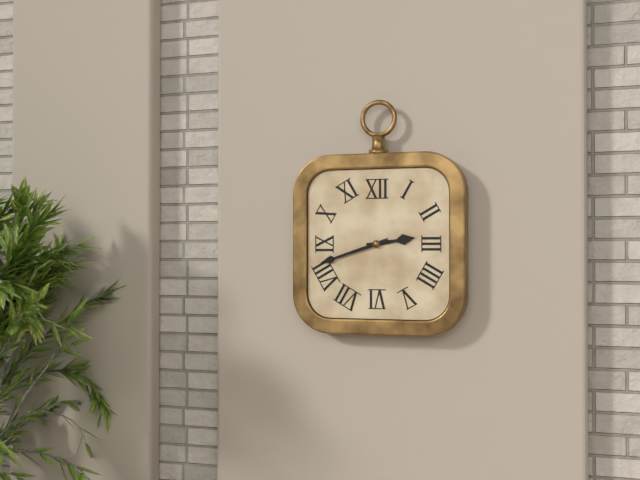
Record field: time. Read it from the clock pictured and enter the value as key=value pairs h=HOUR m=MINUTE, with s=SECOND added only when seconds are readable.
h=2 m=42
